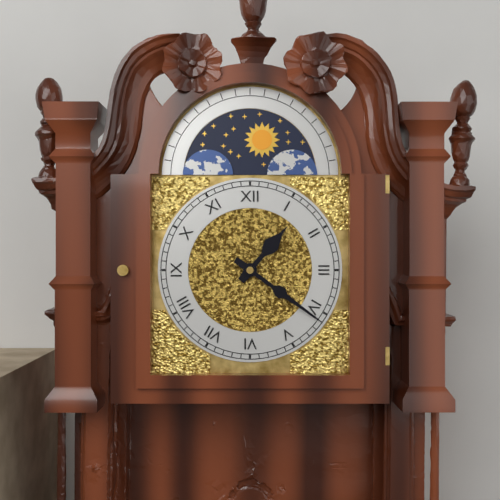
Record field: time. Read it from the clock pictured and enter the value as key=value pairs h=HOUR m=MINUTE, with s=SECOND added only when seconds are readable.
h=1 m=21
